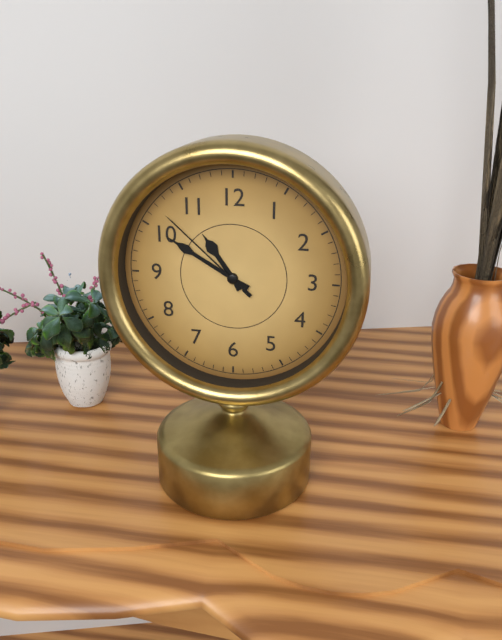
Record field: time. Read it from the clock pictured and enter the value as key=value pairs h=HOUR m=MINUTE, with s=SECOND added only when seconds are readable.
h=10 m=50 s=52
